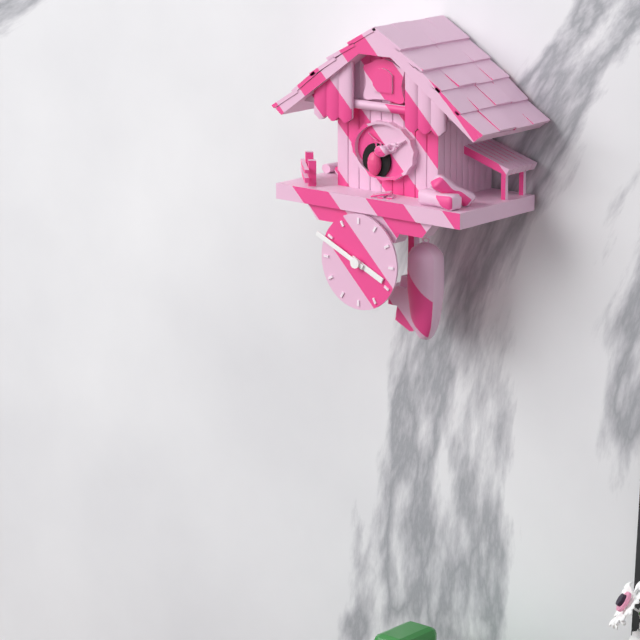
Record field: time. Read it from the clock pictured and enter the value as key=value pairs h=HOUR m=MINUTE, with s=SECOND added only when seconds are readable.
h=3 m=49
